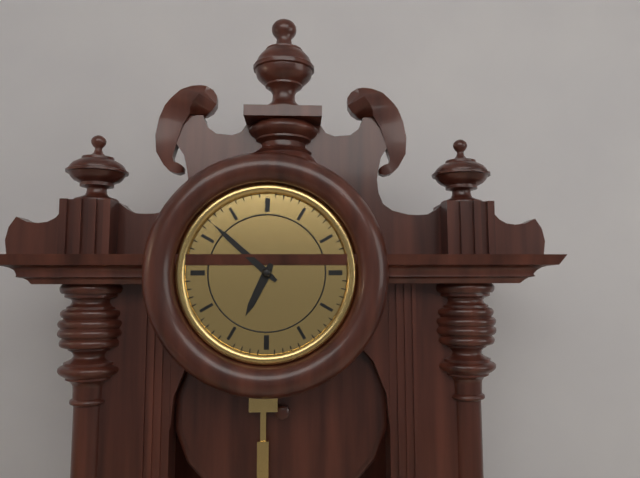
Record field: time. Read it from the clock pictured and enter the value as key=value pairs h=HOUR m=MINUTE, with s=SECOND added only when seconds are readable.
h=6 m=52
